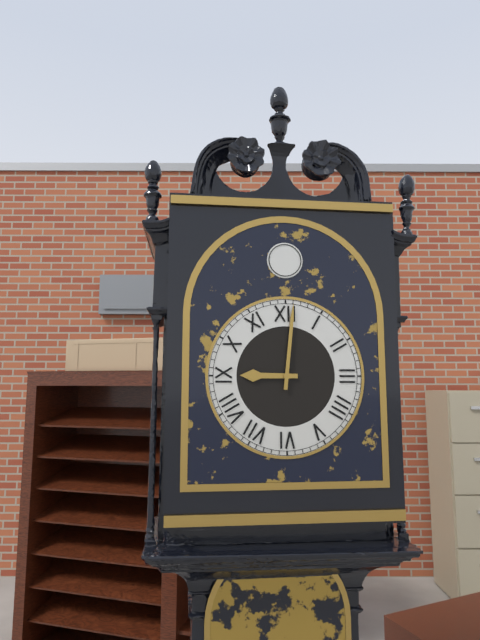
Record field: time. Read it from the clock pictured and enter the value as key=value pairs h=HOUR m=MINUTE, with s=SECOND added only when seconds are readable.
h=9 m=1
